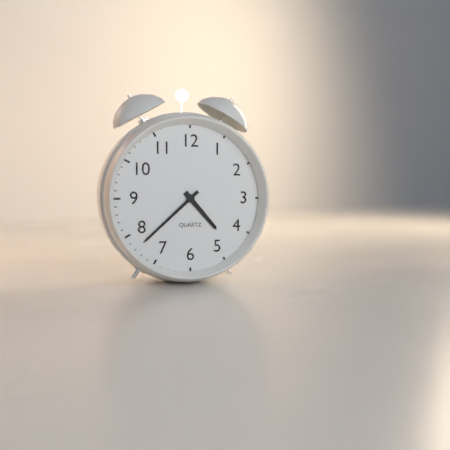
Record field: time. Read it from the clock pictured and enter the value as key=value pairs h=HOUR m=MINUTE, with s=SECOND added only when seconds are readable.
h=4 m=38
